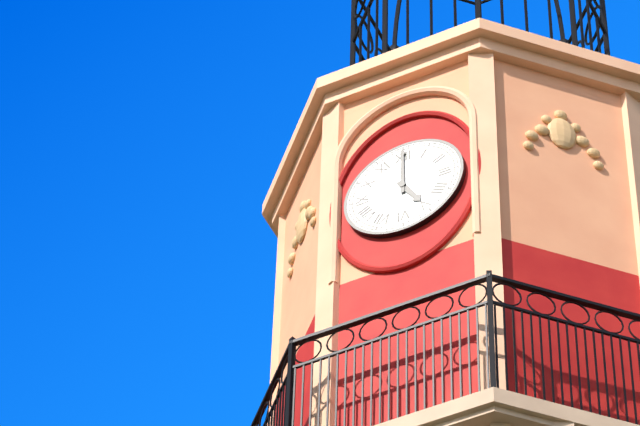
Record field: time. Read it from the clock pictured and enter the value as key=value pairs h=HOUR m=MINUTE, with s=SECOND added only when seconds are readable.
h=5 m=0
